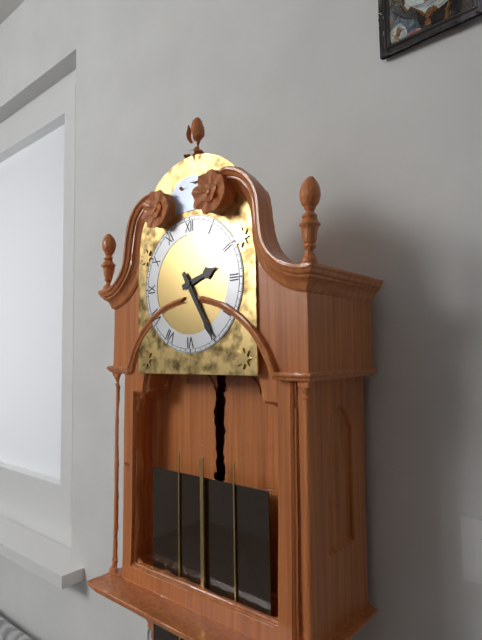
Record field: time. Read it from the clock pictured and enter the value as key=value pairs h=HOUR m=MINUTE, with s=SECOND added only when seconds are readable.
h=2 m=25
